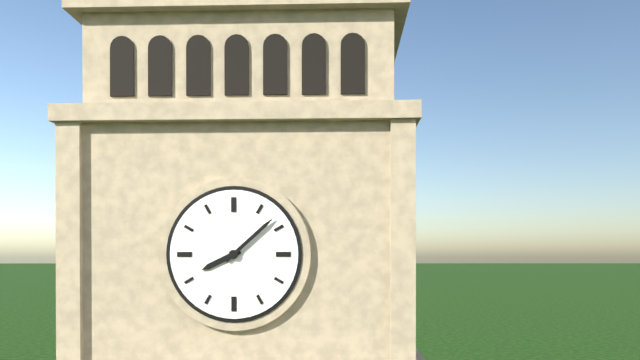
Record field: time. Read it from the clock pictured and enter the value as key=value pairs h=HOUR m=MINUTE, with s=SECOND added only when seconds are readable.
h=8 m=8
